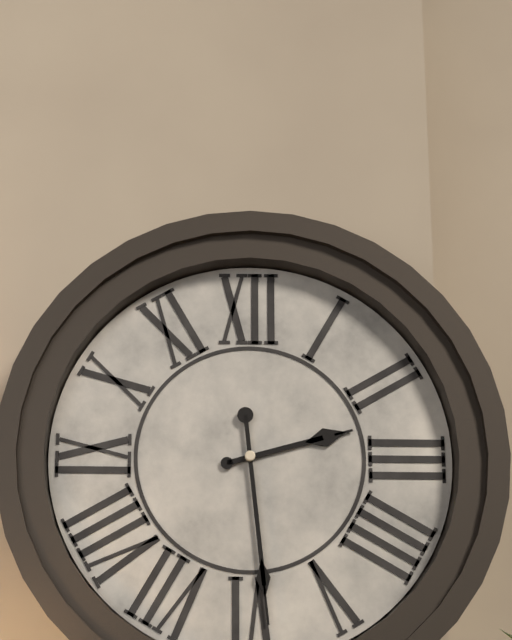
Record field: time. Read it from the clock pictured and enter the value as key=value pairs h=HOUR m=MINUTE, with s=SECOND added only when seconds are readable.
h=2 m=29
